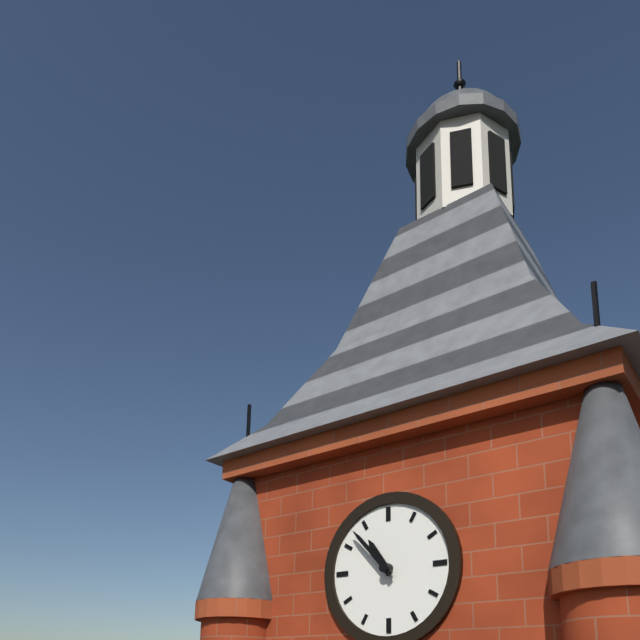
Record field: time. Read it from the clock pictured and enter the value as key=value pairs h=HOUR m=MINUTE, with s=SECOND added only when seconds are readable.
h=10 m=53
